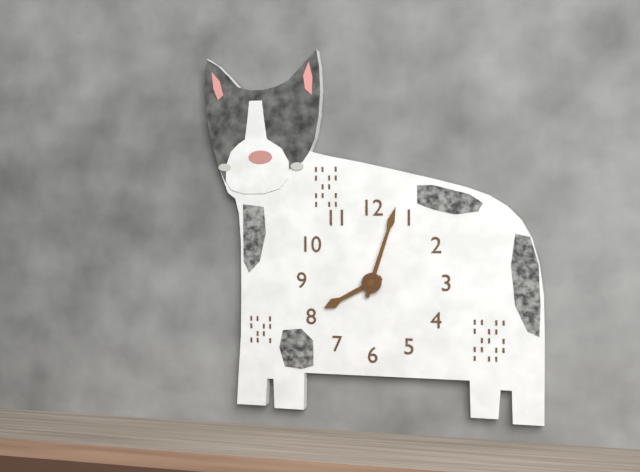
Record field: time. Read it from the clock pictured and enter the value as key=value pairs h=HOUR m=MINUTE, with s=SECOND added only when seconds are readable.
h=8 m=3
